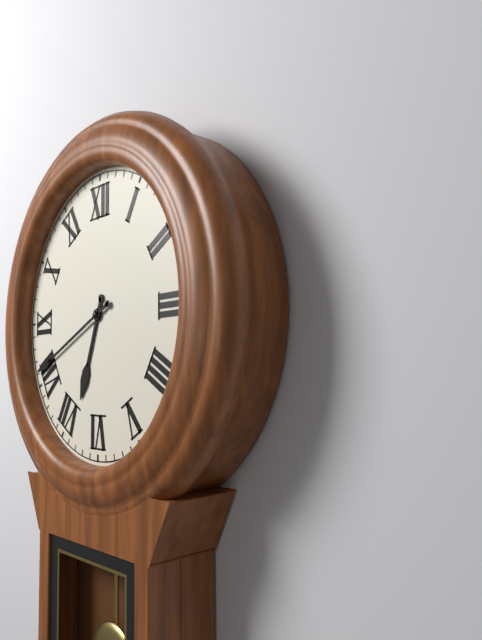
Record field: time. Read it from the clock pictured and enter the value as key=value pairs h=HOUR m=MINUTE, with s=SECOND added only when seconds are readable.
h=6 m=41
